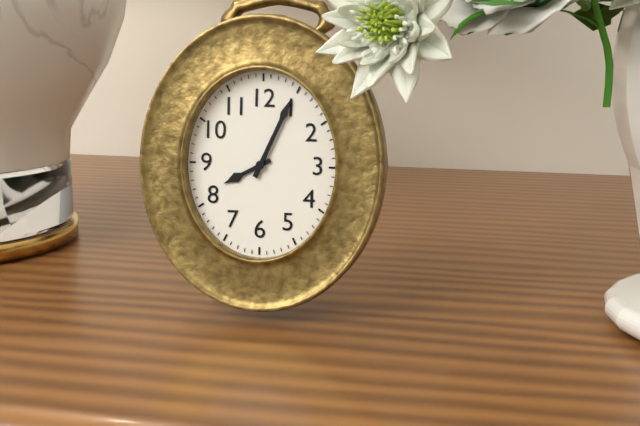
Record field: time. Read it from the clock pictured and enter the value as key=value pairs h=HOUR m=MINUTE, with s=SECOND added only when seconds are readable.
h=8 m=4
